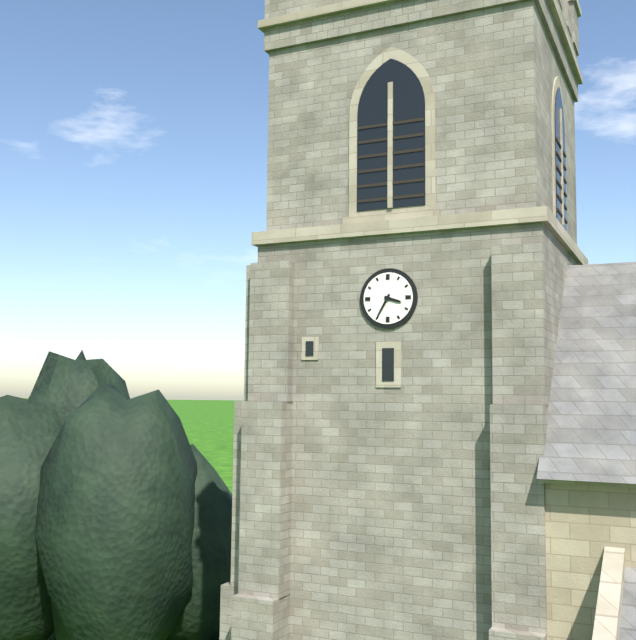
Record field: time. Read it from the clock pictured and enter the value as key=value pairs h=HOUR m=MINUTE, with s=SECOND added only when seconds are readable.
h=3 m=35
